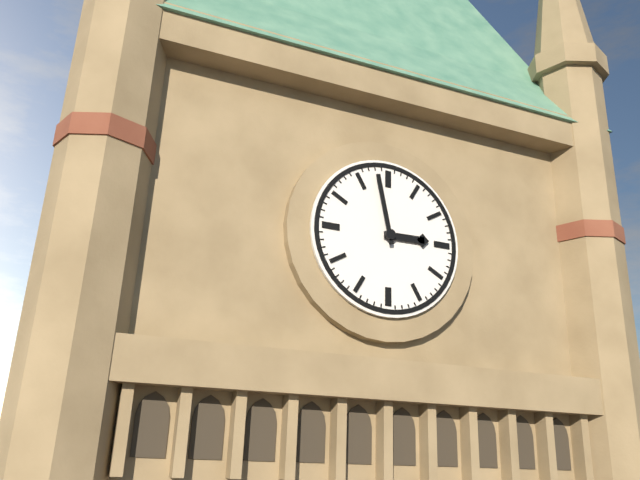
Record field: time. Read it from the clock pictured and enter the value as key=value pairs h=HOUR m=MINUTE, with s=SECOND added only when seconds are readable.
h=2 m=58
